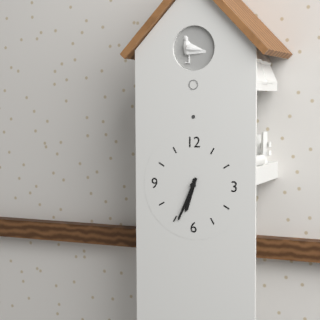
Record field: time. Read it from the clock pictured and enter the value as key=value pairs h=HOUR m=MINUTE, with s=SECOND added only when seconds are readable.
h=6 m=34
